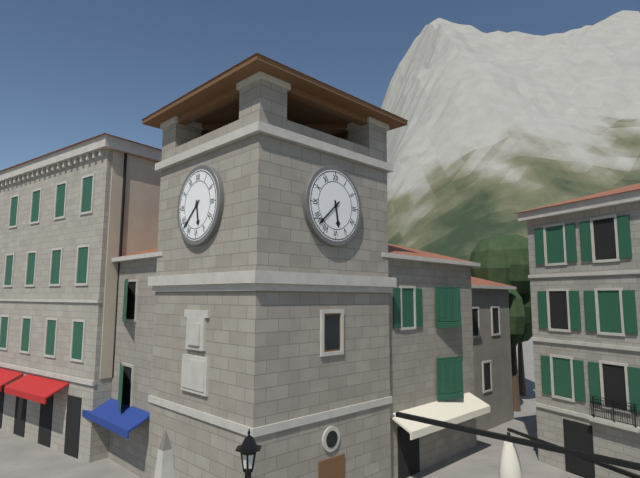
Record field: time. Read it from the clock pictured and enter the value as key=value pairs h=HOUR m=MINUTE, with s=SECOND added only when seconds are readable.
h=5 m=38
